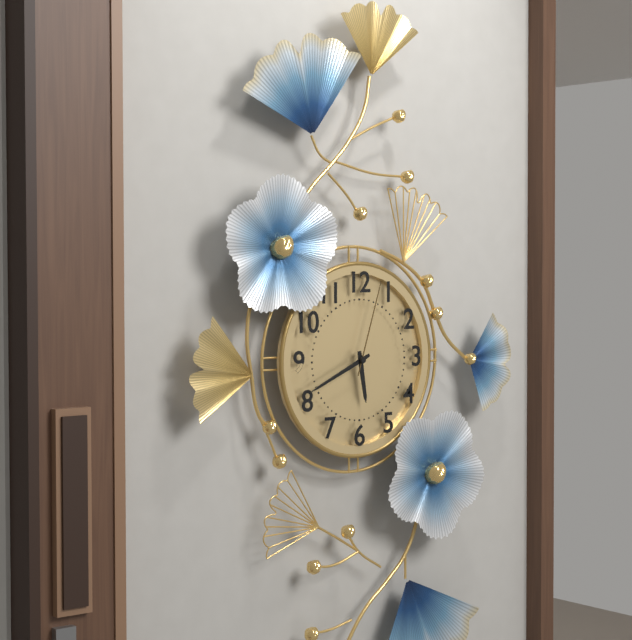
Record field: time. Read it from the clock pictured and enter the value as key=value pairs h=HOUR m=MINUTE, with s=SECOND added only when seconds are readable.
h=5 m=41 s=3
